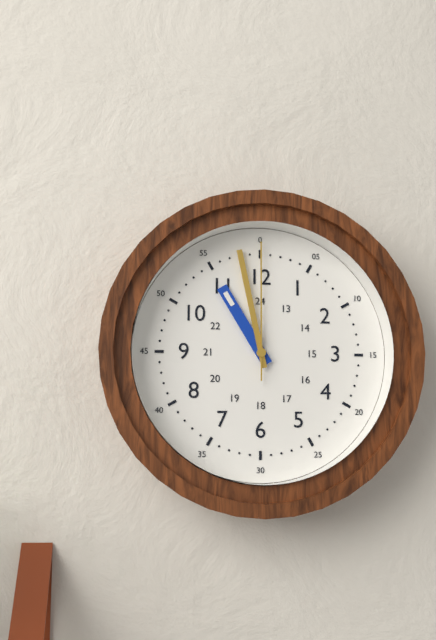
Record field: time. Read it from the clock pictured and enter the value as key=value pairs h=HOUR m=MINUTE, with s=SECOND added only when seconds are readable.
h=10 m=58 s=0
